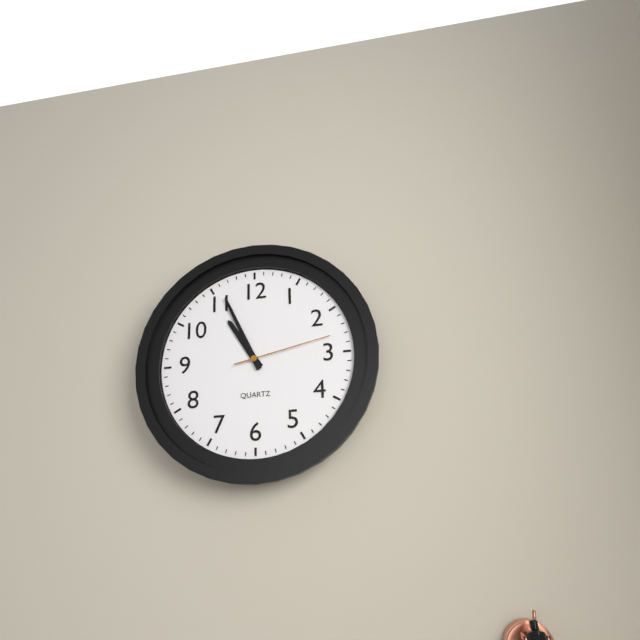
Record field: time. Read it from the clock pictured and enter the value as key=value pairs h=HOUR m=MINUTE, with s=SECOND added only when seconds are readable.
h=10 m=56 s=13
